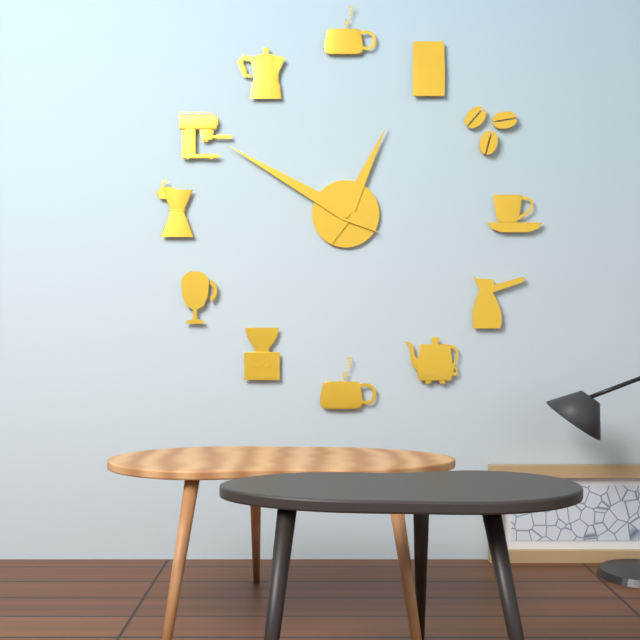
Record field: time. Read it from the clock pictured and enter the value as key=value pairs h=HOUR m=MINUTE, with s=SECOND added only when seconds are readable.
h=12 m=50
